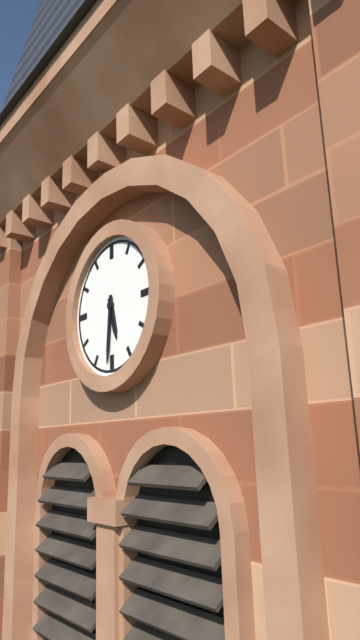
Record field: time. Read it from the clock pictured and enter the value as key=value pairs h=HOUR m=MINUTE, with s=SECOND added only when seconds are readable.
h=5 m=31
